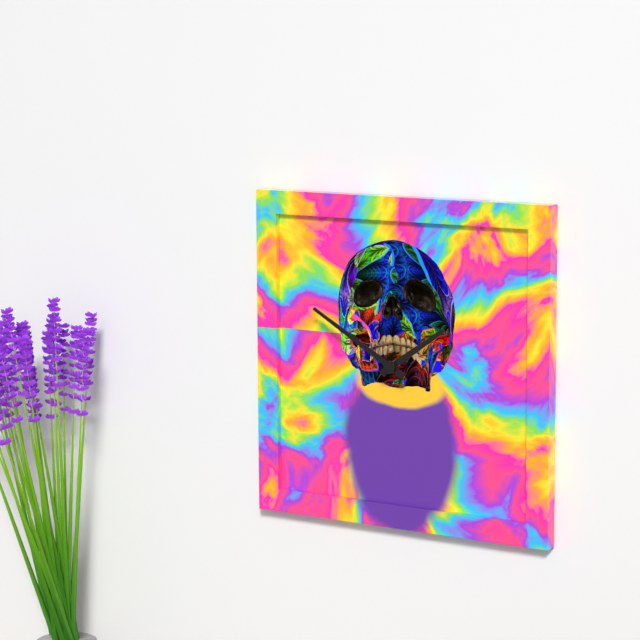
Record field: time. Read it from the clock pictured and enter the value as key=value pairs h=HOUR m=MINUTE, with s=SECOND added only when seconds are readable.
h=1 m=50
